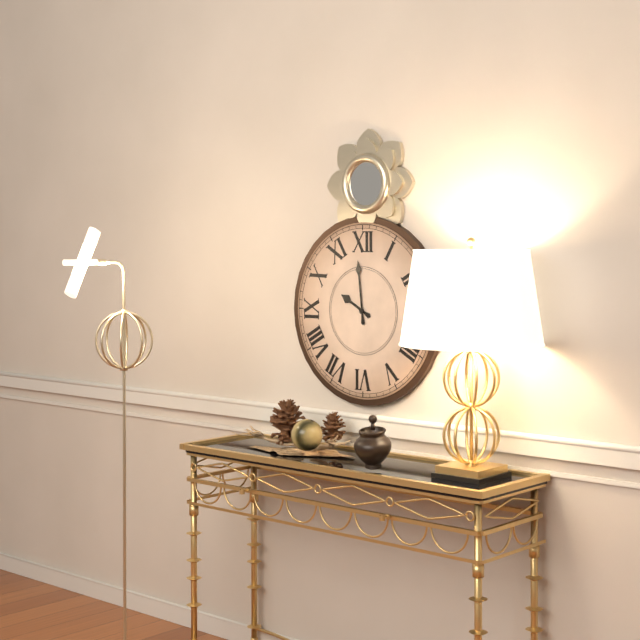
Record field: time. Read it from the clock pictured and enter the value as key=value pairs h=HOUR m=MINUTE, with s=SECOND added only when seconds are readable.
h=9 m=59
